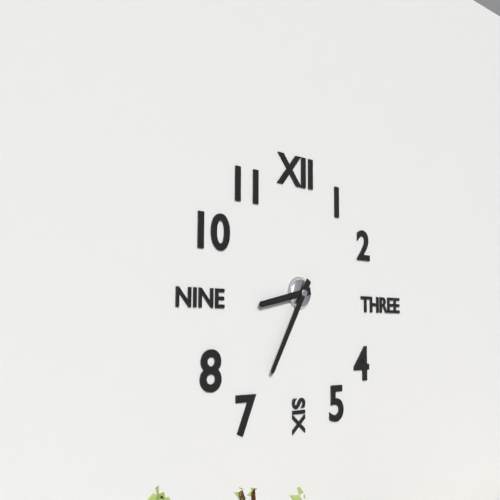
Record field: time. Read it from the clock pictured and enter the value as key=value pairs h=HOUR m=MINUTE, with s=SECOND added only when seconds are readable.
h=8 m=35
